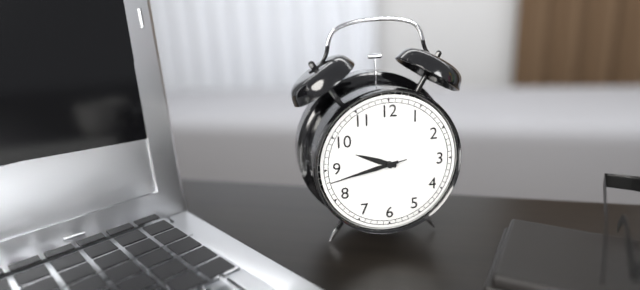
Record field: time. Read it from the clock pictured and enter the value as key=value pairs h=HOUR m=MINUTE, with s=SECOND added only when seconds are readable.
h=9 m=43 s=43
